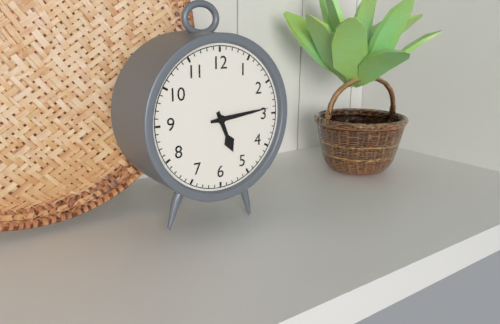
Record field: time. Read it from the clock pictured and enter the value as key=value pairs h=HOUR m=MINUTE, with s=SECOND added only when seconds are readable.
h=5 m=14
